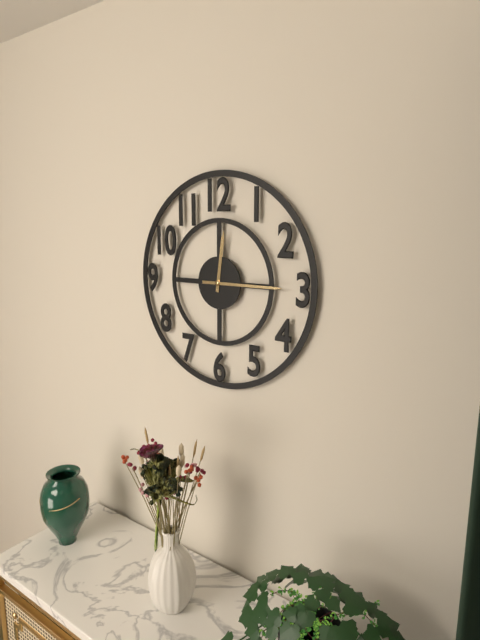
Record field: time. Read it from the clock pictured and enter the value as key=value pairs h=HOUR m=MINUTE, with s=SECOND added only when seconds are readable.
h=12 m=15
